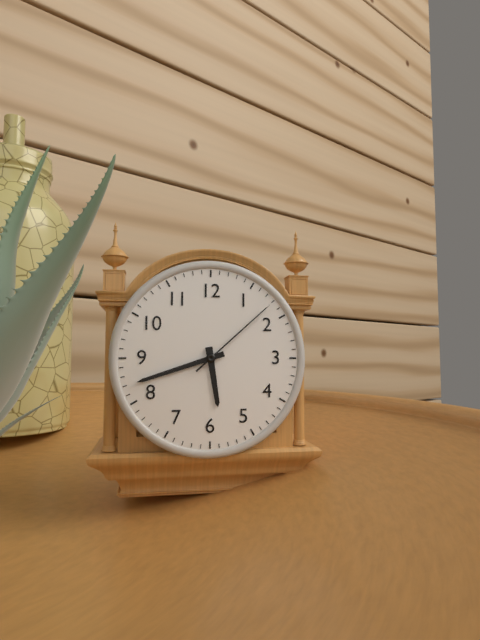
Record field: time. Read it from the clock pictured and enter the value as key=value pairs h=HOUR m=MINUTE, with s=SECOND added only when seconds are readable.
h=5 m=42 s=8
